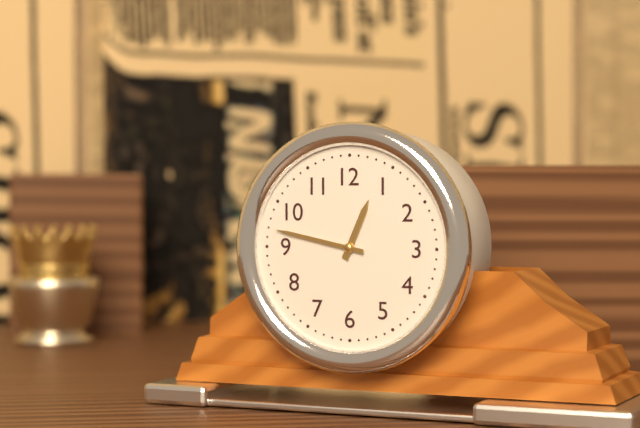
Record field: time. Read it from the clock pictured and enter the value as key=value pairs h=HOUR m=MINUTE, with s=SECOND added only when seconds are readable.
h=12 m=47
